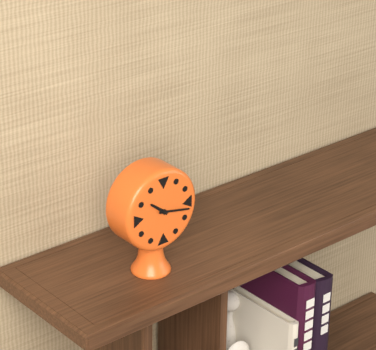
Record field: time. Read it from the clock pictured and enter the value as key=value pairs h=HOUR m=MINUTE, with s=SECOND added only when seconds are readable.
h=10 m=17
